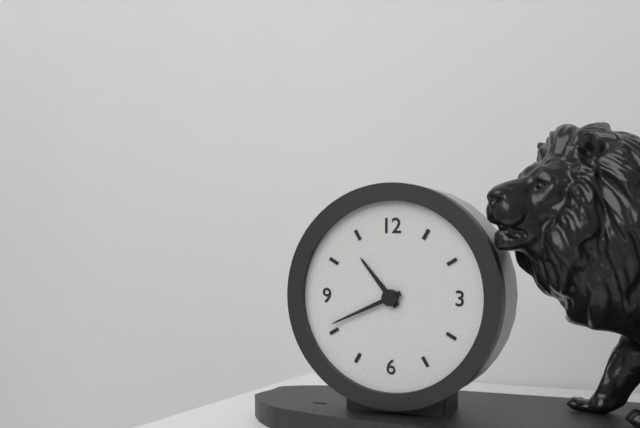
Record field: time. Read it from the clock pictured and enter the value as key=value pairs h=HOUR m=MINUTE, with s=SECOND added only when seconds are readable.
h=10 m=41
